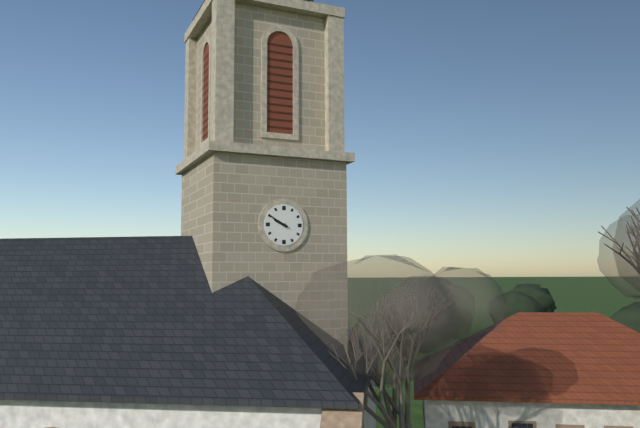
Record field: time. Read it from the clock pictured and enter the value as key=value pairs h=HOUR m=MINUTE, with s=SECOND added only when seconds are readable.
h=9 m=50
